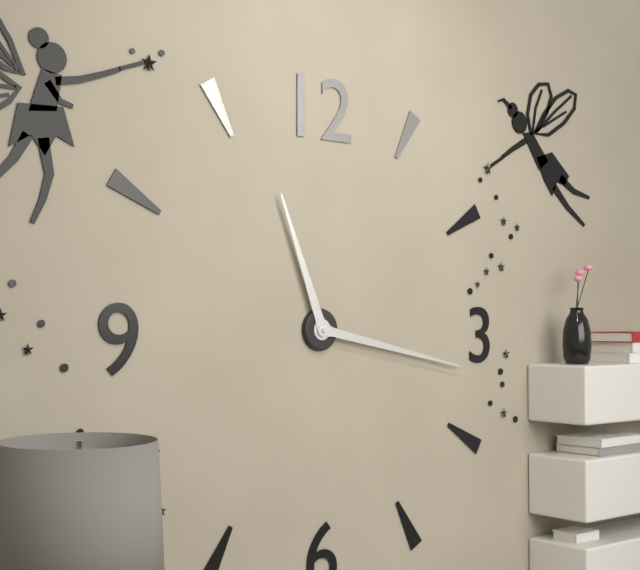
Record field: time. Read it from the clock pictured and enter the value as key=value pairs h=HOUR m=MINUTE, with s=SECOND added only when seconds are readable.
h=11 m=17
